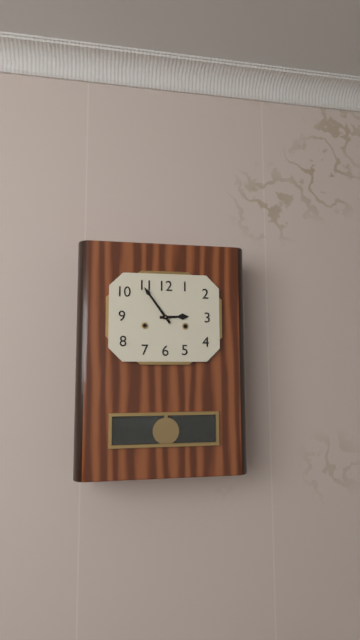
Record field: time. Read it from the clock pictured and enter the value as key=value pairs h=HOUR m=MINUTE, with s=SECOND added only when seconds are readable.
h=2 m=54
